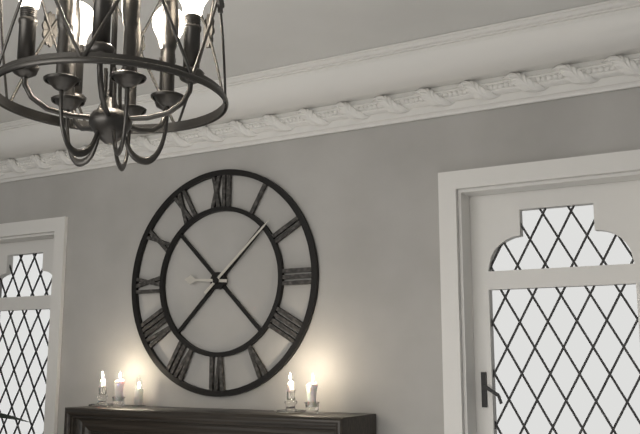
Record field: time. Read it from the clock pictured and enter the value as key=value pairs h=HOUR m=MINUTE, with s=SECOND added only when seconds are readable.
h=9 m=8
